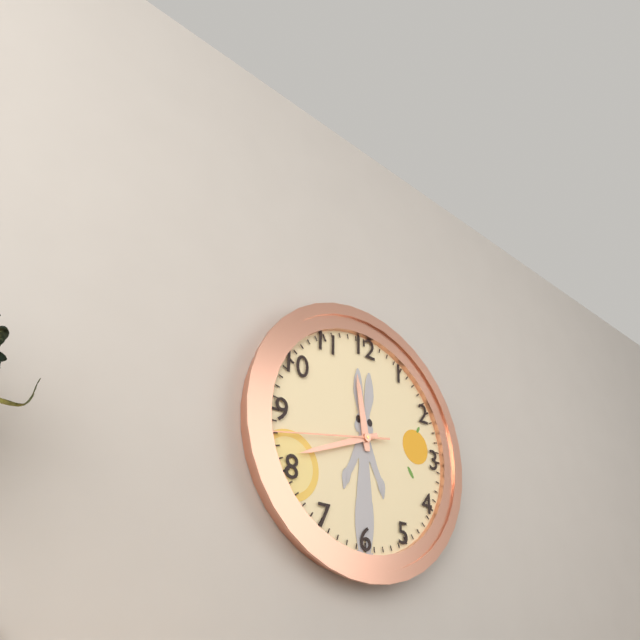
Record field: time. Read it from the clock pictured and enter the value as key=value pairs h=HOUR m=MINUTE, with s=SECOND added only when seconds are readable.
h=11 m=41 s=43
